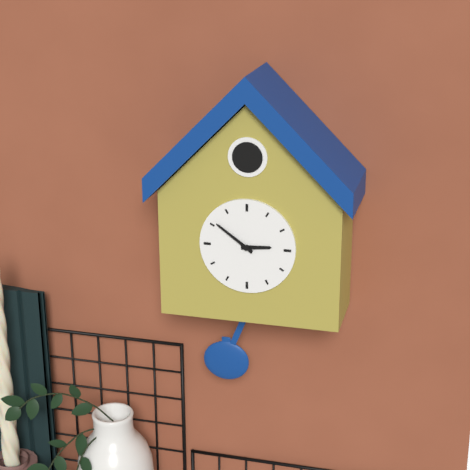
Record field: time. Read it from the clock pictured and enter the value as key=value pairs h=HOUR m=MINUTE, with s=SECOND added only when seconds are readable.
h=2 m=51
